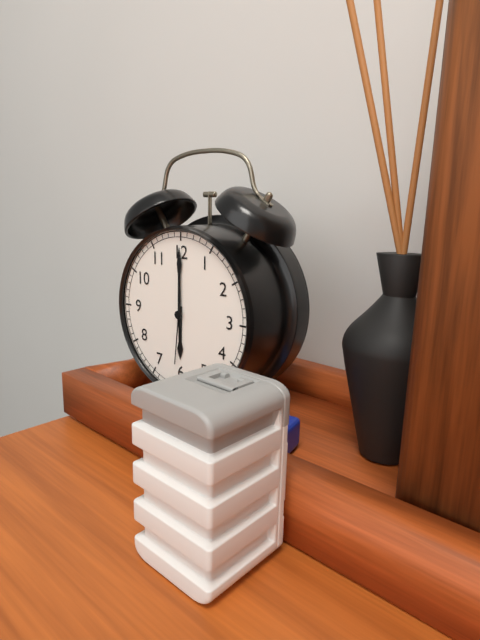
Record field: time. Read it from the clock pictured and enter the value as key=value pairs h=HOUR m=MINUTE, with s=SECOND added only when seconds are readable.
h=6 m=0 s=31
